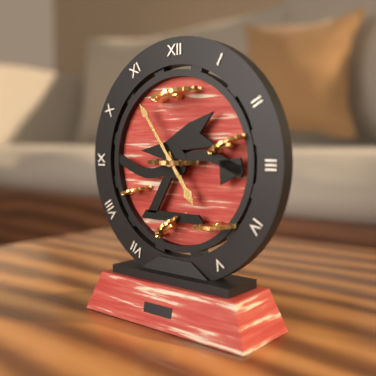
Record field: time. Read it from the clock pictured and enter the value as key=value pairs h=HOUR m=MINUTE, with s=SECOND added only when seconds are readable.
h=4 m=54
